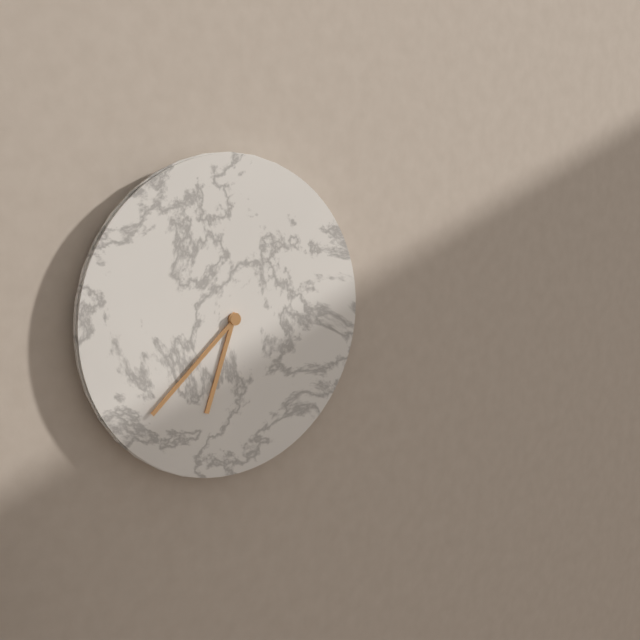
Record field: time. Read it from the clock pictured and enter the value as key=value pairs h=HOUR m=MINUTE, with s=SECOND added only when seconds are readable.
h=6 m=38
